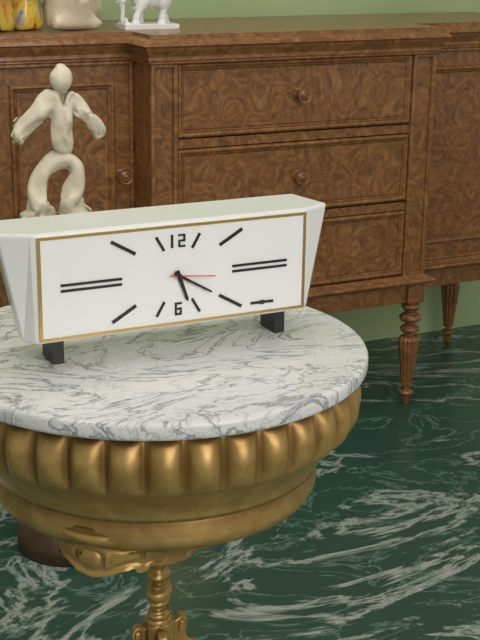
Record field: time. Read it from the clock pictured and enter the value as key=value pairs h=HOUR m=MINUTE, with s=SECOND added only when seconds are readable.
h=5 m=20
